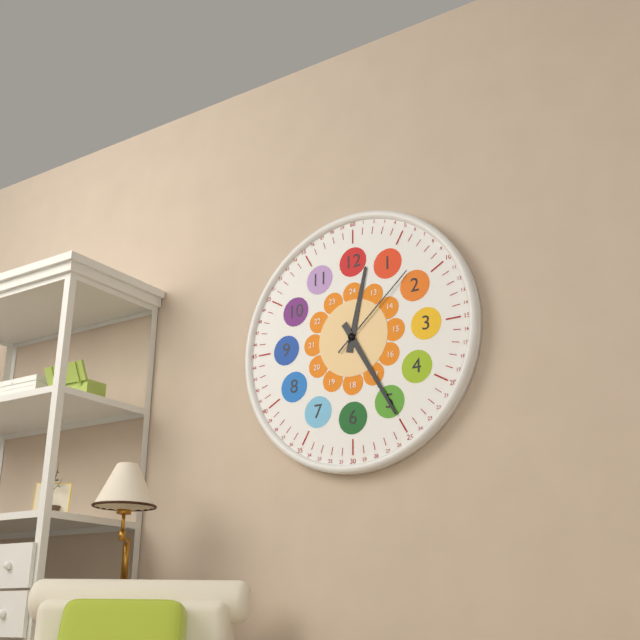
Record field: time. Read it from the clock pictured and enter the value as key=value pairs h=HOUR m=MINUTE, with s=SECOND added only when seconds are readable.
h=12 m=25 s=8
